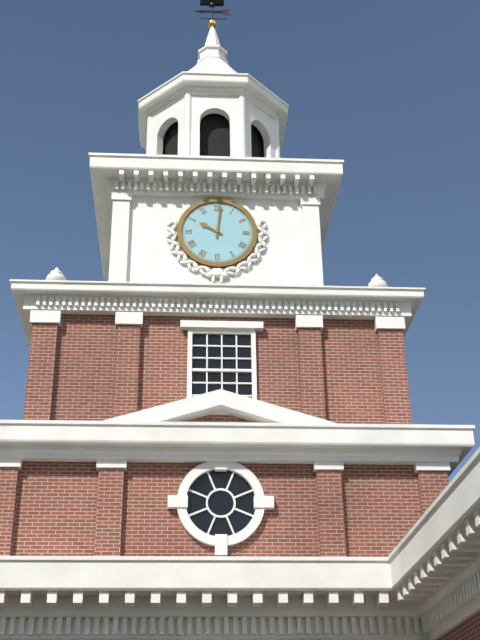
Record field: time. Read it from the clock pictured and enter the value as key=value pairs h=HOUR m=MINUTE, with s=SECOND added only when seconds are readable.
h=10 m=1
